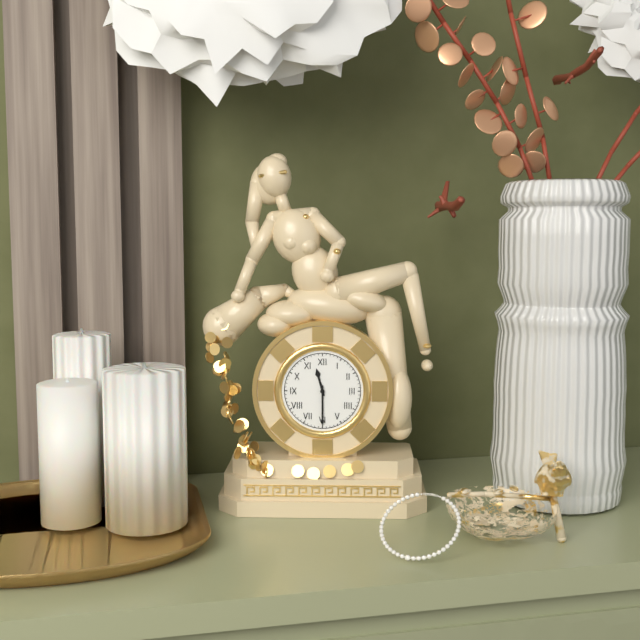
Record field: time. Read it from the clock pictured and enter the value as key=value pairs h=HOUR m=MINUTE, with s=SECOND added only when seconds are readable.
h=11 m=30
